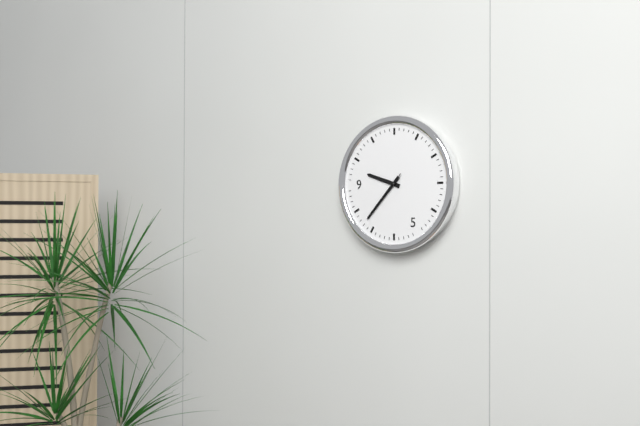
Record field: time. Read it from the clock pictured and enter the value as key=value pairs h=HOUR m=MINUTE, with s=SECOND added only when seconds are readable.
h=9 m=37 s=37
